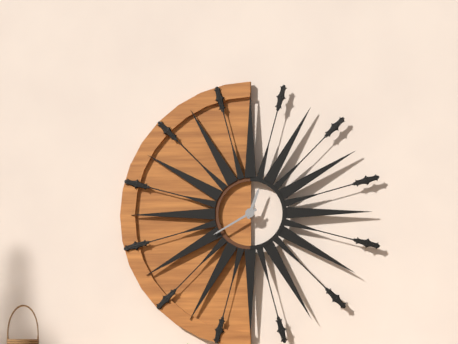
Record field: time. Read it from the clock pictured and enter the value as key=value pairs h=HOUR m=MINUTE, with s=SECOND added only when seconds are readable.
h=12 m=40
